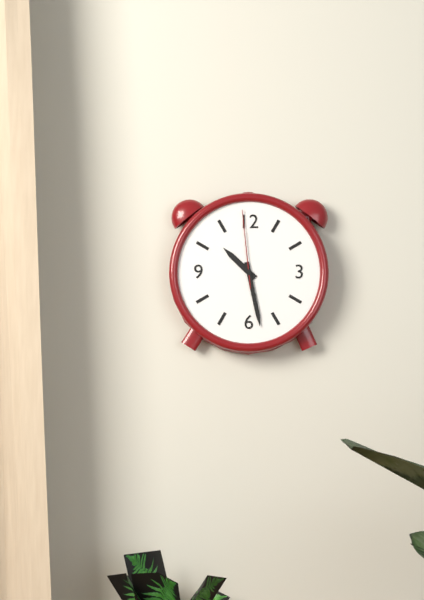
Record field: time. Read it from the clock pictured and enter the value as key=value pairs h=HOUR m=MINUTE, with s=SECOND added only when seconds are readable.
h=10 m=28 s=59
